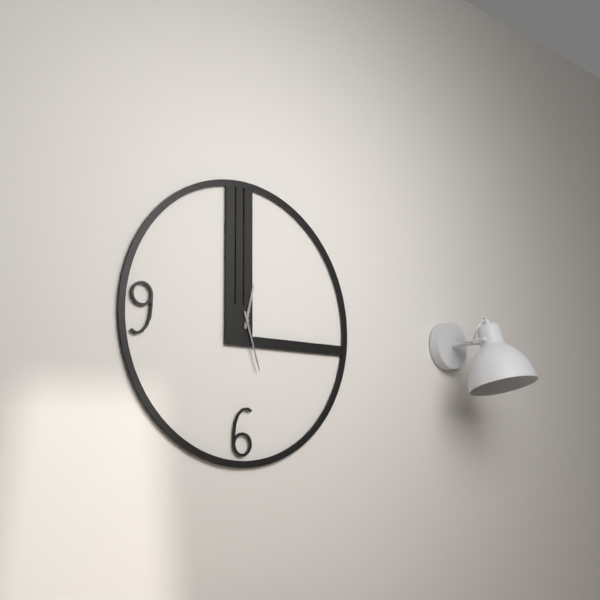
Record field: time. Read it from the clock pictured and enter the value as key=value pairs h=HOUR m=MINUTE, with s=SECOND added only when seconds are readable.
h=12 m=27
